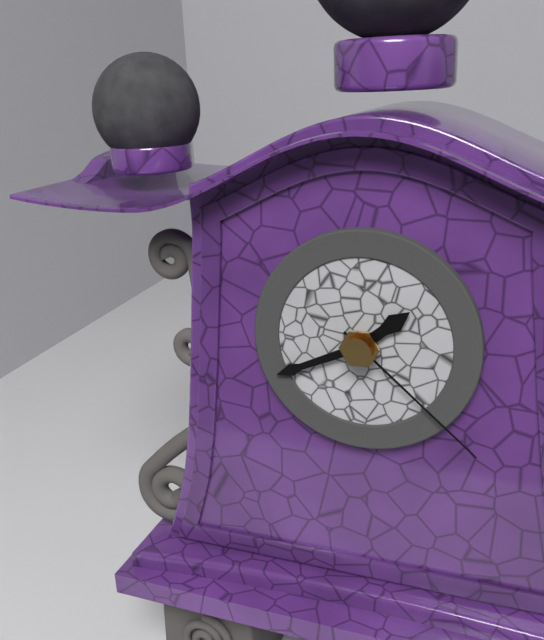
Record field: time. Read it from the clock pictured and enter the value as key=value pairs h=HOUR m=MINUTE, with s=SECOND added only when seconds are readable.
h=1 m=41 s=22
